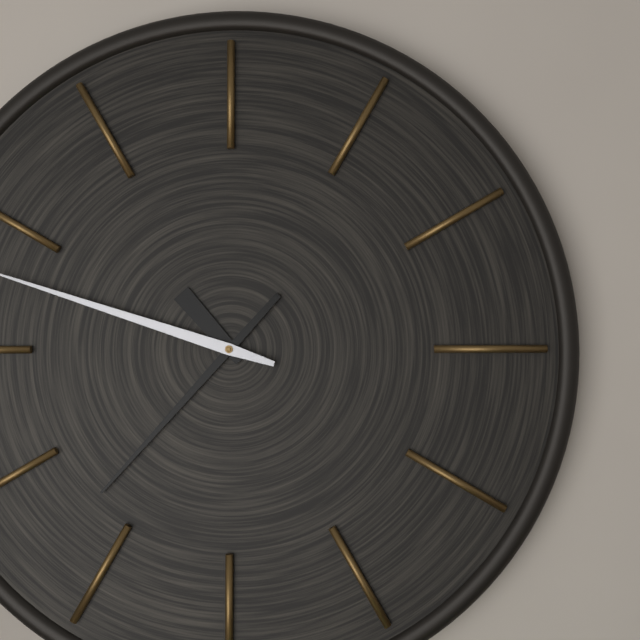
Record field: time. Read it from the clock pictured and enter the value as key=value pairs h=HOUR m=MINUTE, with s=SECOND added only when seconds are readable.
h=10 m=37
